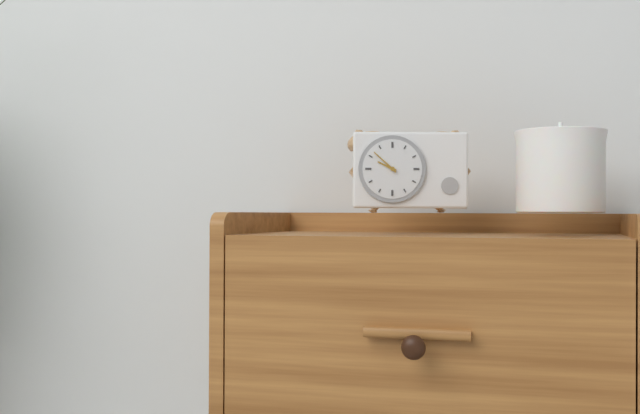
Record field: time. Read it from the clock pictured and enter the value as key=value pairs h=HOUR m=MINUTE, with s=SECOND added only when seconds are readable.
h=9 m=52
